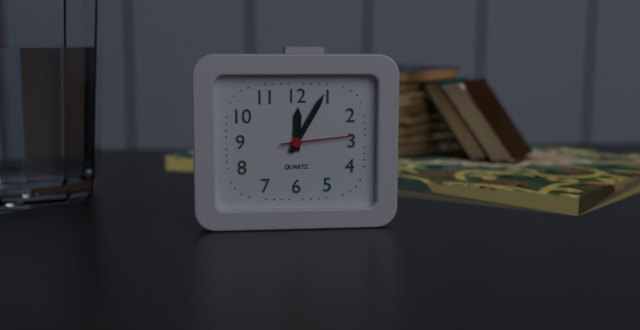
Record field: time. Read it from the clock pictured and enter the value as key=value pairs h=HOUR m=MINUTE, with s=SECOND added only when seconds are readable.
h=12 m=5 s=14
